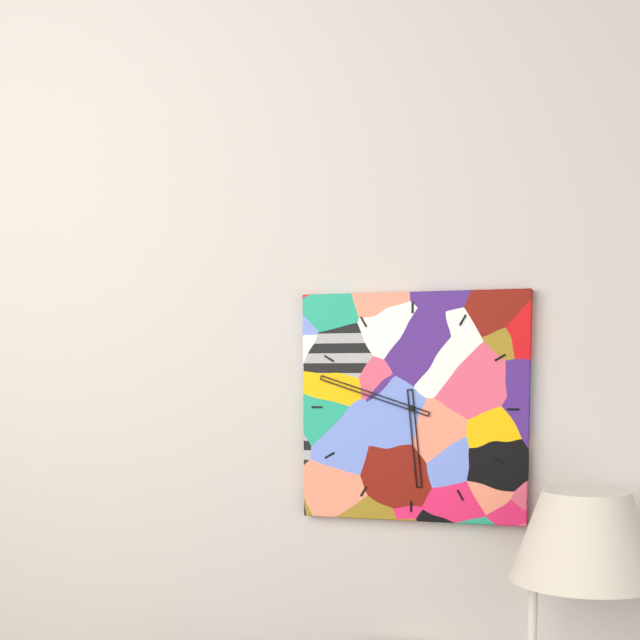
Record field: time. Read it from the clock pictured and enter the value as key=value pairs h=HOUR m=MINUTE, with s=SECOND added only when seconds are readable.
h=5 m=48
